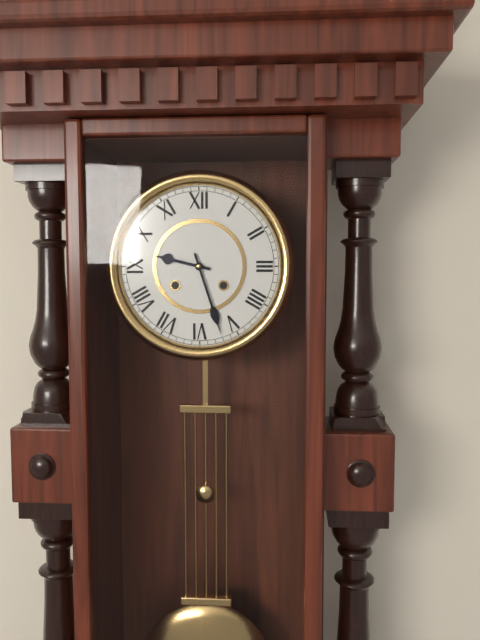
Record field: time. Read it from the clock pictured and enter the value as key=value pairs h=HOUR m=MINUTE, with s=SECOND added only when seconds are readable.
h=9 m=27
